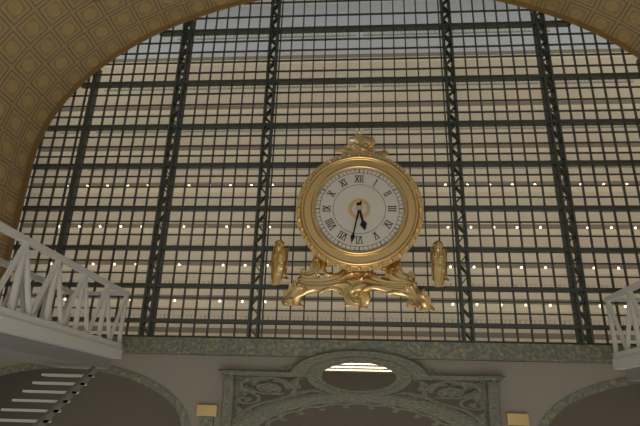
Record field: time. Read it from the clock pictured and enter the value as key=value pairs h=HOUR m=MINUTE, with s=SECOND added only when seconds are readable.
h=5 m=32
